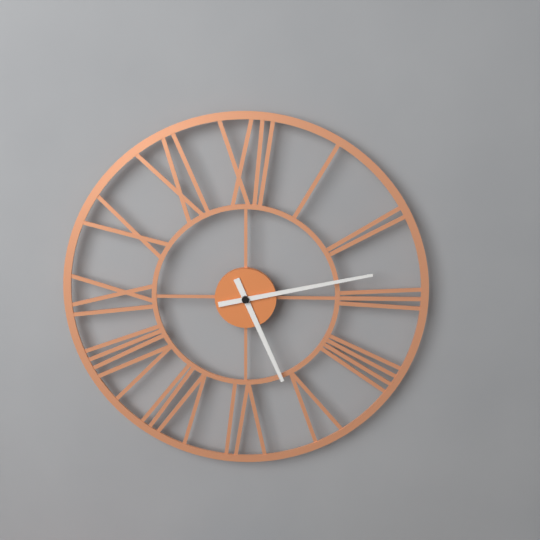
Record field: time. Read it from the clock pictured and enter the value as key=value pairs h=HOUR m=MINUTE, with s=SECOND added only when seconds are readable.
h=5 m=13
